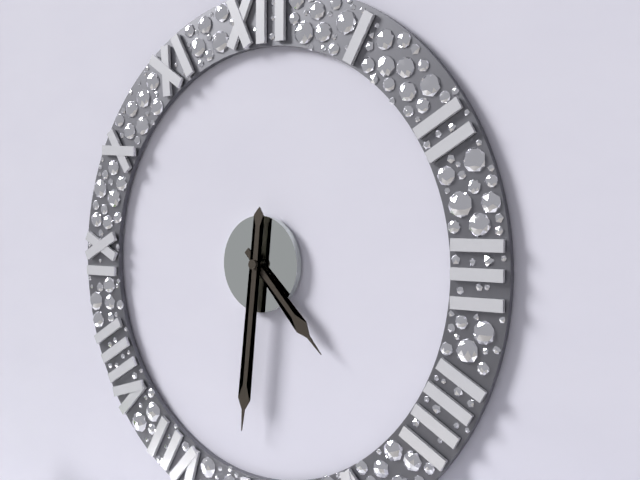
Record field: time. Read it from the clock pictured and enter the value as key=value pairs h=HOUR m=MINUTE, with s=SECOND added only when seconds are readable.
h=4 m=31
